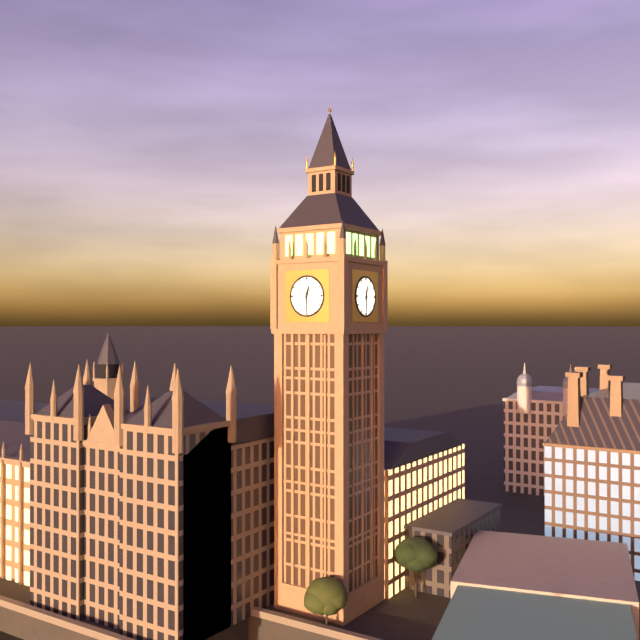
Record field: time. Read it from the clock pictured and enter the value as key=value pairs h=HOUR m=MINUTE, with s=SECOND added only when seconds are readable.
h=12 m=30
